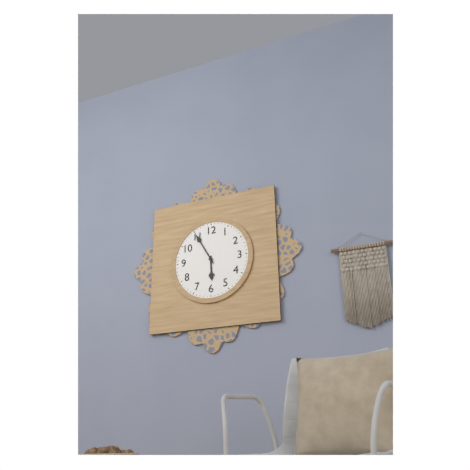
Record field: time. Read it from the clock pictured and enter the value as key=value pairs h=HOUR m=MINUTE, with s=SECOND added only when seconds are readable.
h=5 m=55
